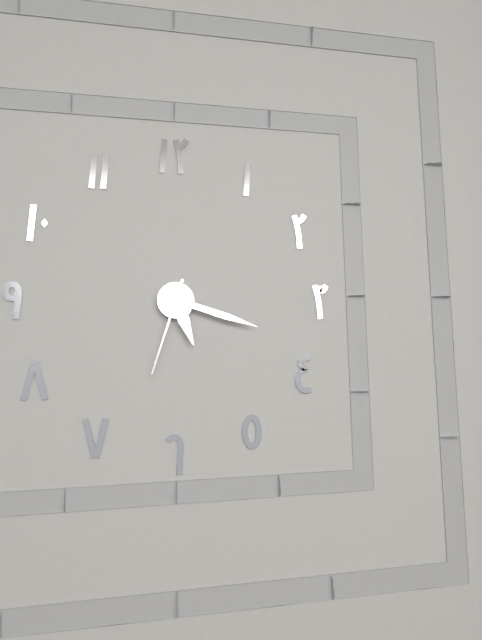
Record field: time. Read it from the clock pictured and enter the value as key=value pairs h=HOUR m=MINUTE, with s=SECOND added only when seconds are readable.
h=5 m=18 s=33
